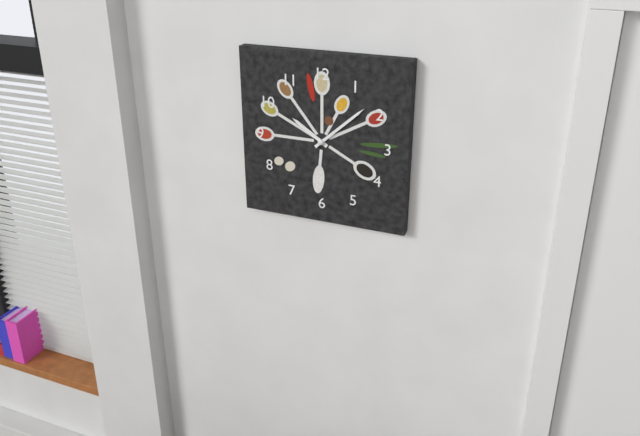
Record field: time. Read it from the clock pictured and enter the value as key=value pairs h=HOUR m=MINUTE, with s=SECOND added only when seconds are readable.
h=10 m=8
